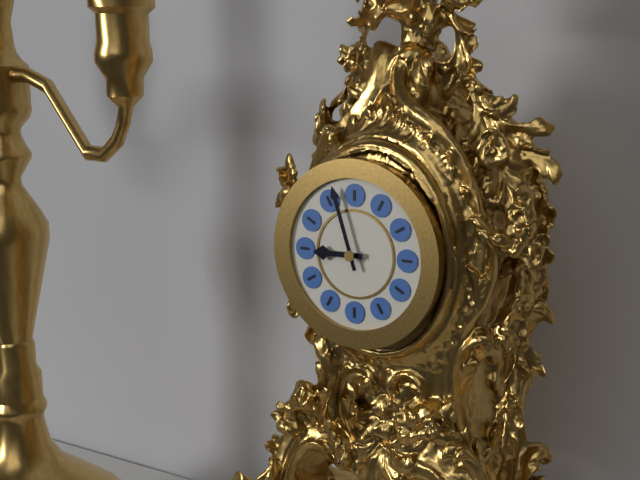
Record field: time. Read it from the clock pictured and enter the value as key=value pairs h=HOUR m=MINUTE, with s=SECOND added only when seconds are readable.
h=8 m=57
